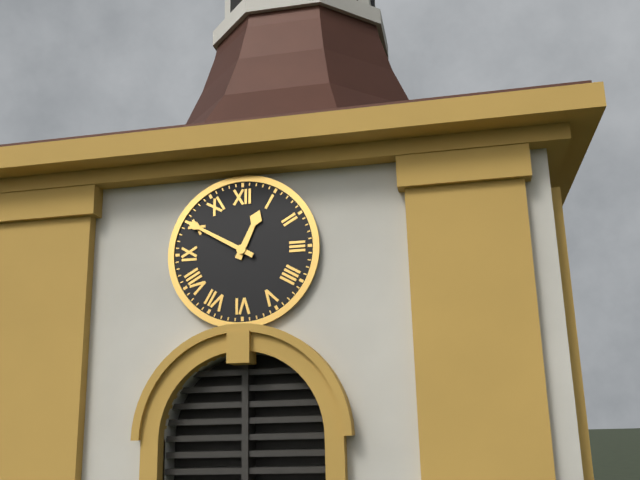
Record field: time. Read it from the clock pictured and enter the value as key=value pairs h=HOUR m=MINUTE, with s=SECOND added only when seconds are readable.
h=12 m=50
